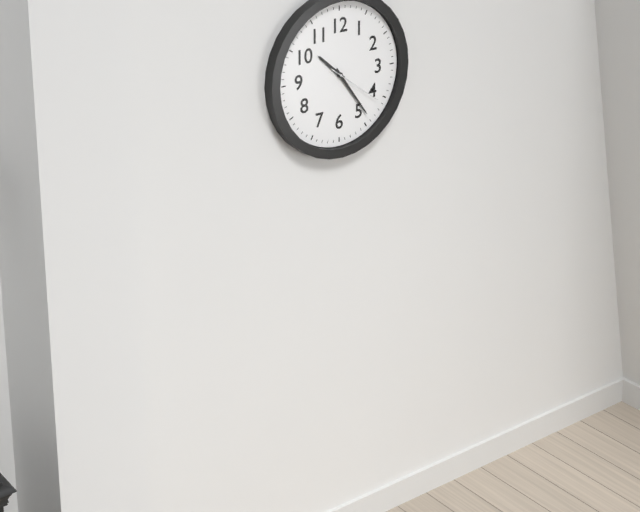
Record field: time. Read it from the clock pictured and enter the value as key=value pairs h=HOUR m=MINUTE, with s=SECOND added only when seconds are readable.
h=10 m=24 s=21
